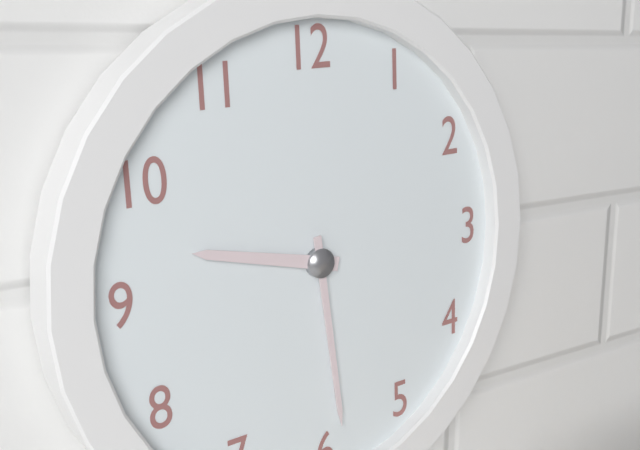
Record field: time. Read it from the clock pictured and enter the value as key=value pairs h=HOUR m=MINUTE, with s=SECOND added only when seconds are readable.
h=9 m=29
